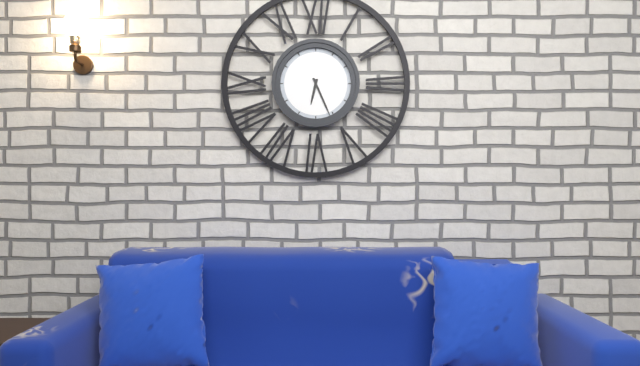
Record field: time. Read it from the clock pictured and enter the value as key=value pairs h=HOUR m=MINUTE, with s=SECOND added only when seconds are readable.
h=6 m=26
